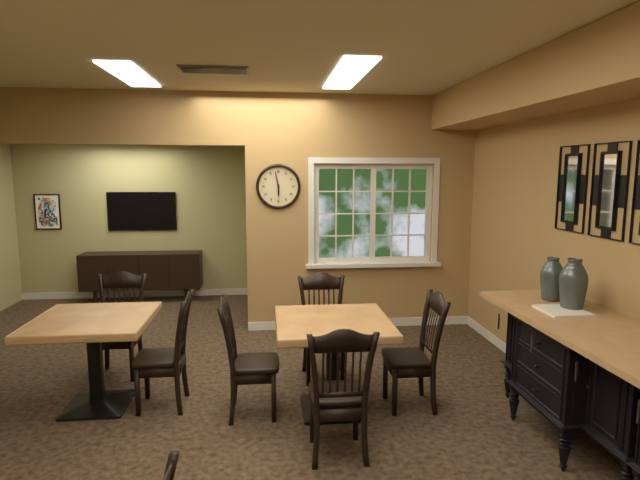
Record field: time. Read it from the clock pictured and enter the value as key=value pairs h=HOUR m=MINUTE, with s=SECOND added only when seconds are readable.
h=5 m=58
